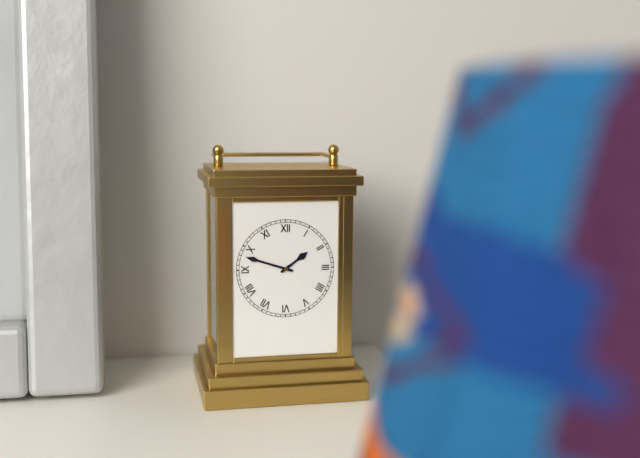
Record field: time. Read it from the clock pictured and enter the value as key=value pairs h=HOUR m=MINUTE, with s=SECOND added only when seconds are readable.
h=1 m=48
